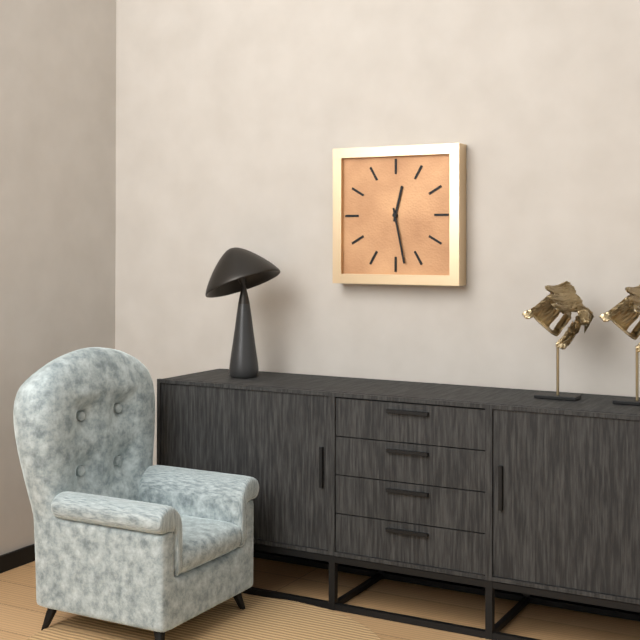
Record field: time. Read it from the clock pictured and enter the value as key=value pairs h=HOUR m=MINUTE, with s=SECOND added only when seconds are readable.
h=12 m=28
